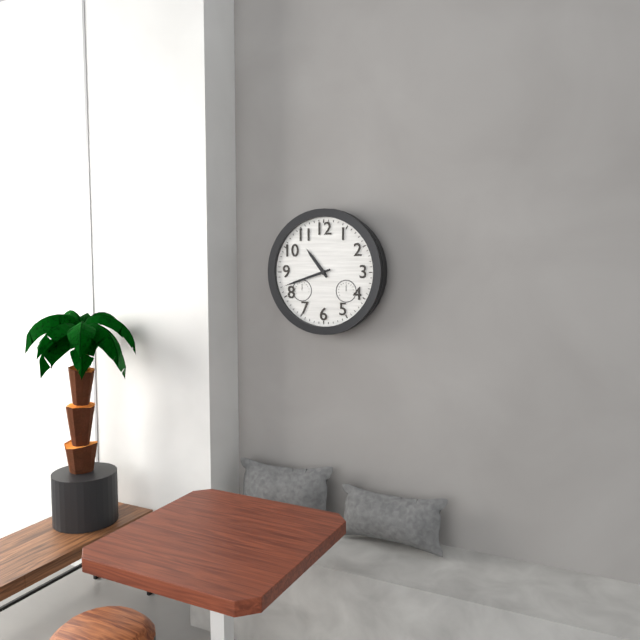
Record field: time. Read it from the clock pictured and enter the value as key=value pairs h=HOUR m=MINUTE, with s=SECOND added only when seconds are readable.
h=10 m=42
